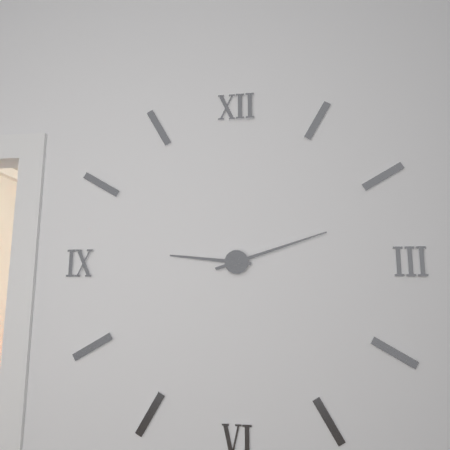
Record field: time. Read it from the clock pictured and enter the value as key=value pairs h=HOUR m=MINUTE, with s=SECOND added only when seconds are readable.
h=9 m=12
